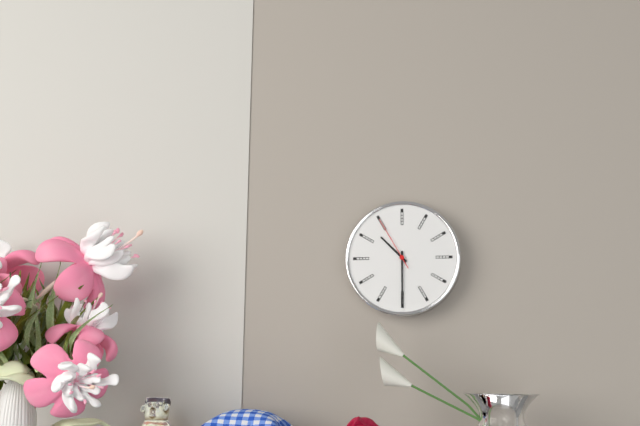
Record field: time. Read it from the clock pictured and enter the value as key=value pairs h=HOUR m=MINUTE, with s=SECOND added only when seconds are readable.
h=10 m=30 s=55
